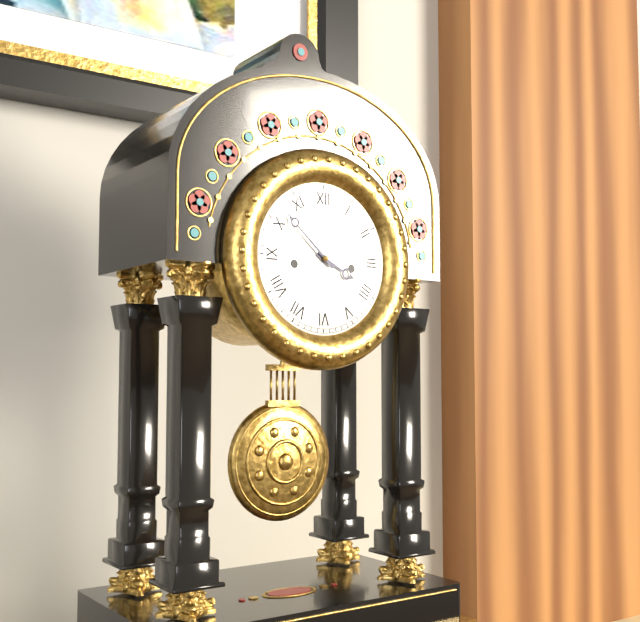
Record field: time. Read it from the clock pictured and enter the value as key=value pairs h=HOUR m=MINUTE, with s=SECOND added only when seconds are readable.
h=3 m=52
